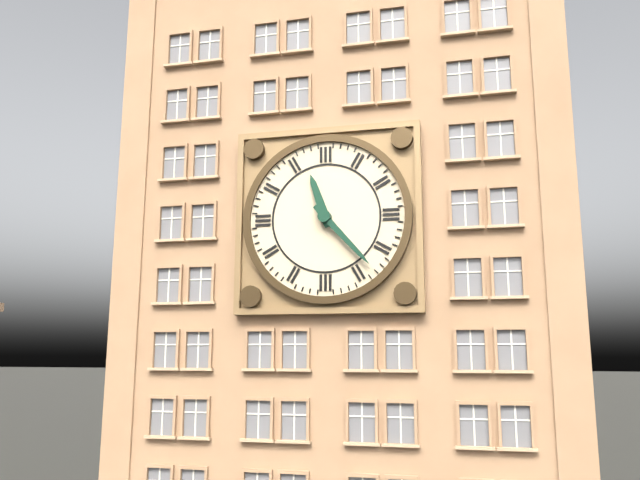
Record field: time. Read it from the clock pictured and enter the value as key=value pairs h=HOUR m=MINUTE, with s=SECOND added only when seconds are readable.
h=11 m=23
